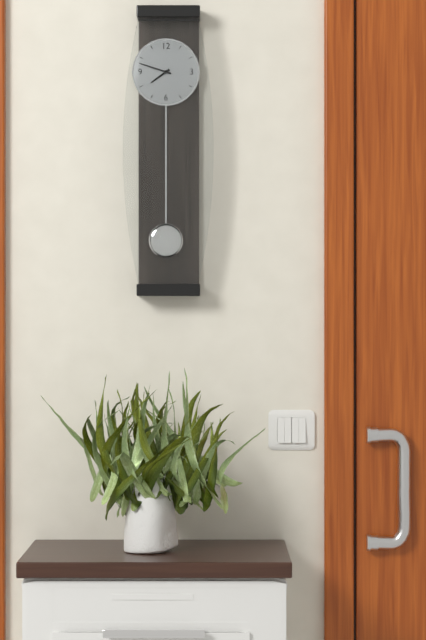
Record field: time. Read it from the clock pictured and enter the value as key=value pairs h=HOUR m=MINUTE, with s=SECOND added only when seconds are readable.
h=7 m=48
